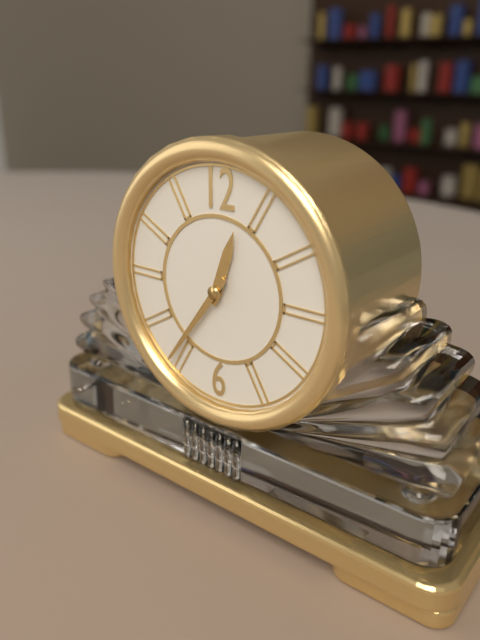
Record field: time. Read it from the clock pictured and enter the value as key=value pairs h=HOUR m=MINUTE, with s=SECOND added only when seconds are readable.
h=12 m=36
